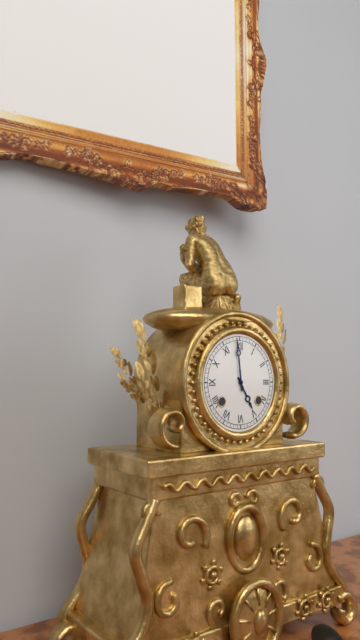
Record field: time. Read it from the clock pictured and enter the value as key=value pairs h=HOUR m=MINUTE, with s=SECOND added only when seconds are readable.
h=4 m=59
